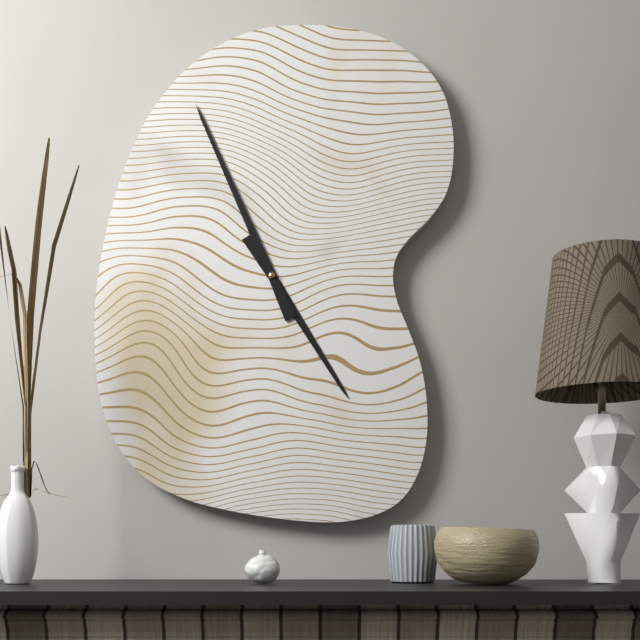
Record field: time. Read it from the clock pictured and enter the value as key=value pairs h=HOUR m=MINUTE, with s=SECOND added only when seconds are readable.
h=4 m=56
